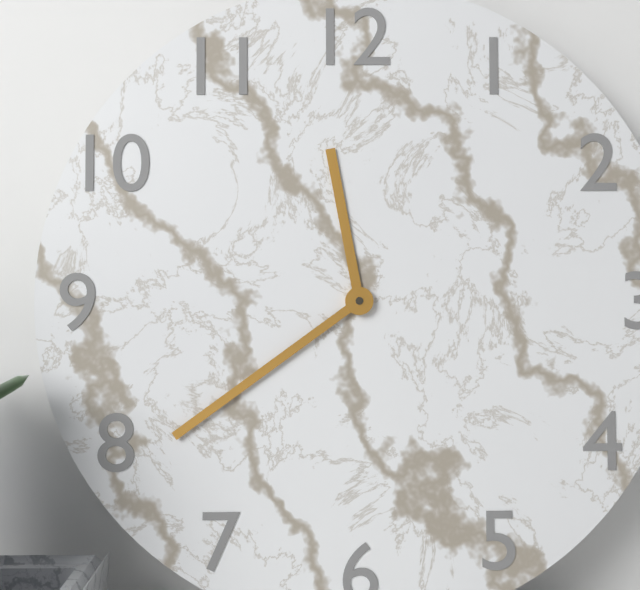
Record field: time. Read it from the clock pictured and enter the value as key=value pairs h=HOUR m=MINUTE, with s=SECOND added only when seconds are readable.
h=11 m=39
